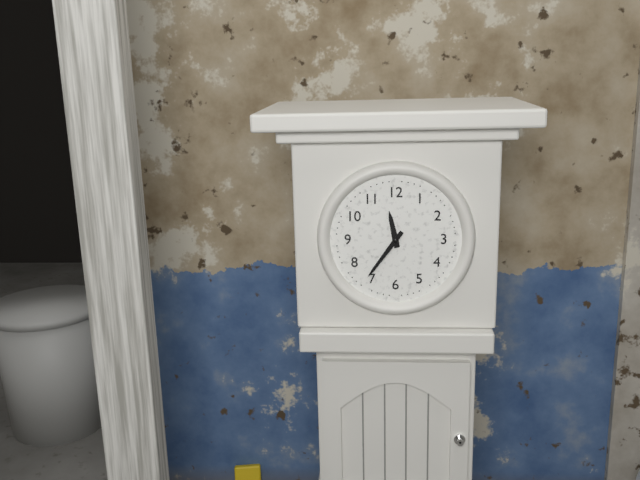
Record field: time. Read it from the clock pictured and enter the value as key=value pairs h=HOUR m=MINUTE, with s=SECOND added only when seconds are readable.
h=11 m=36
